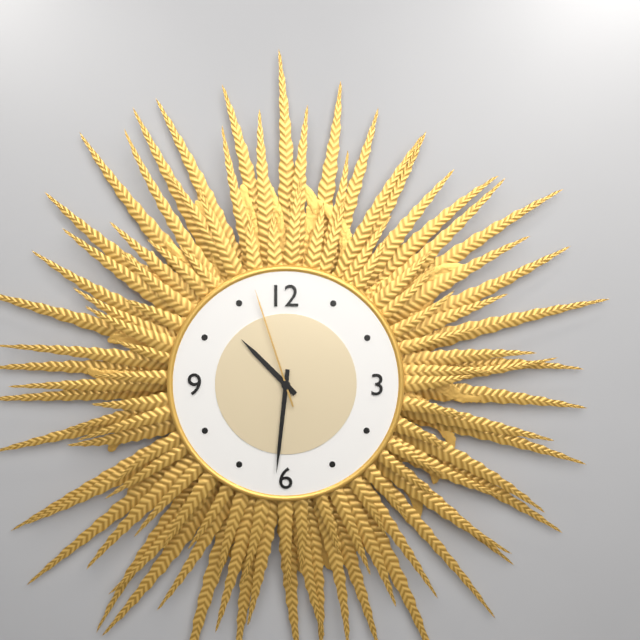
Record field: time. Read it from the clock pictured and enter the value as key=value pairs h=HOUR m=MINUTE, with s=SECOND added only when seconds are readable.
h=10 m=31 s=57
